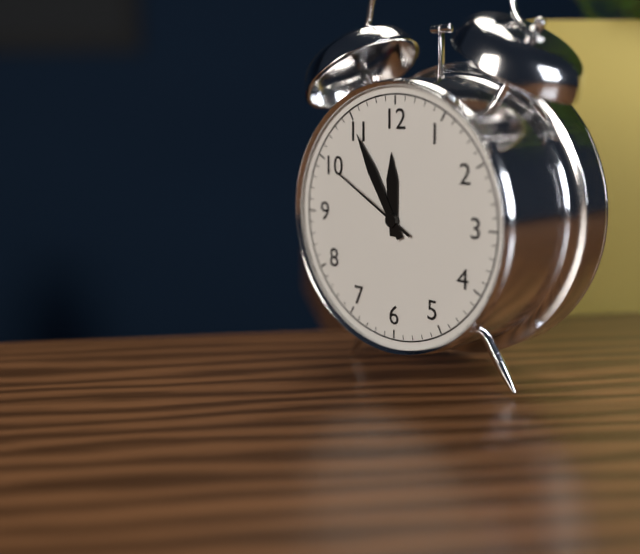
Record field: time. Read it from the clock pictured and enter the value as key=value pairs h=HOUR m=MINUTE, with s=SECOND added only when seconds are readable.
h=11 m=55 s=50
